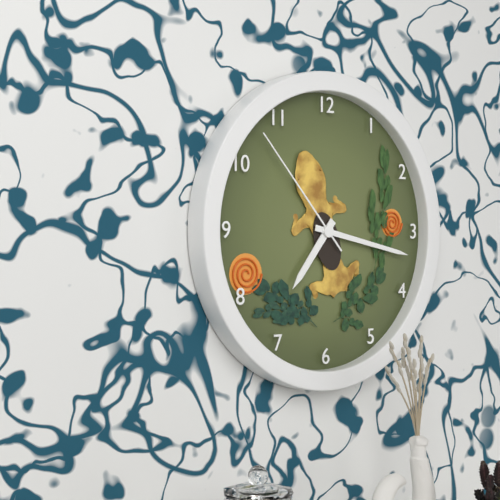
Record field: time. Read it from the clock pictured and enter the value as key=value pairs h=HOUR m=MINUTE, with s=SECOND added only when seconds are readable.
h=7 m=17 s=53
